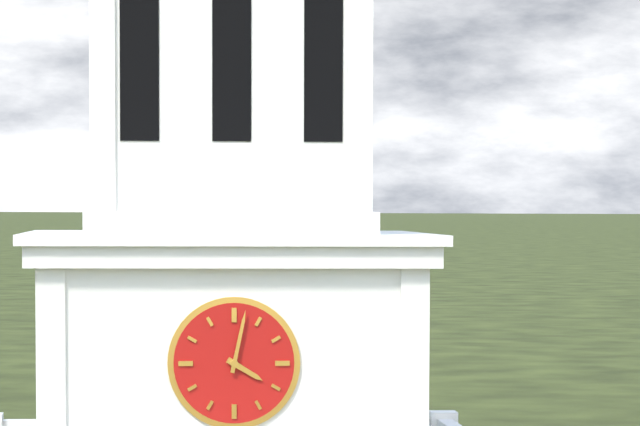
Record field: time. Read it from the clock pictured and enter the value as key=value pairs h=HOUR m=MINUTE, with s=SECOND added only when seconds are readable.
h=4 m=2
